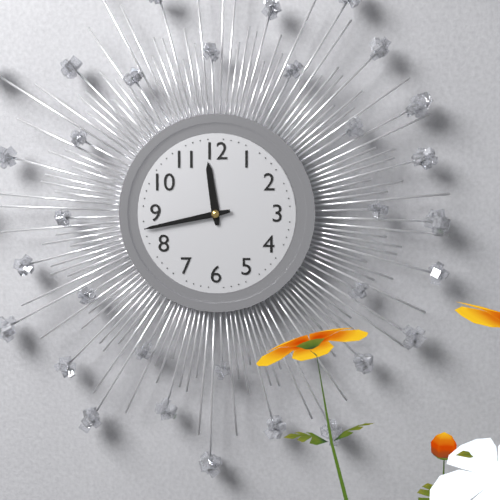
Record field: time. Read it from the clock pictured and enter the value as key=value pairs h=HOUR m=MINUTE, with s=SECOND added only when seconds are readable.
h=11 m=43
